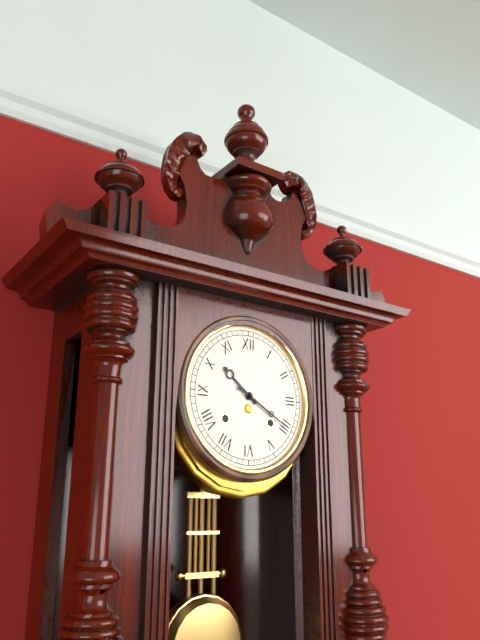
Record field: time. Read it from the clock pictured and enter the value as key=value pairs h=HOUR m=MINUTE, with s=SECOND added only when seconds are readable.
h=10 m=20
